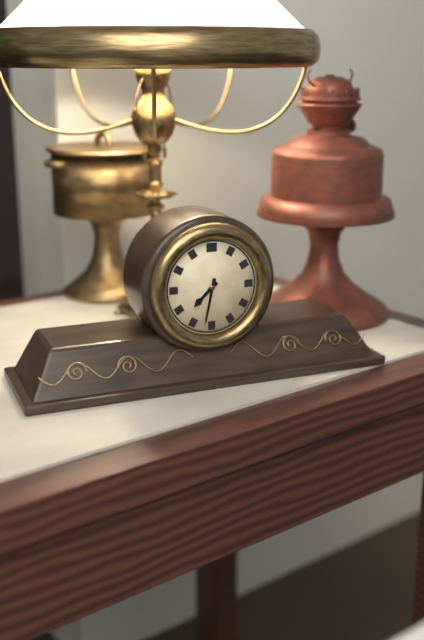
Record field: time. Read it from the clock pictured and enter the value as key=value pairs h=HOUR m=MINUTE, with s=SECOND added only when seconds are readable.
h=7 m=32
